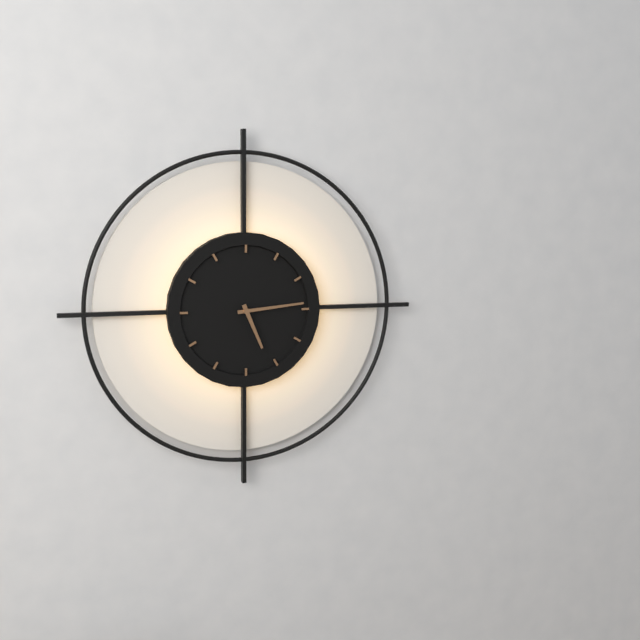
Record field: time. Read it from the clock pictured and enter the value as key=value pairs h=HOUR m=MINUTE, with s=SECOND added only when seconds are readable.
h=5 m=14
